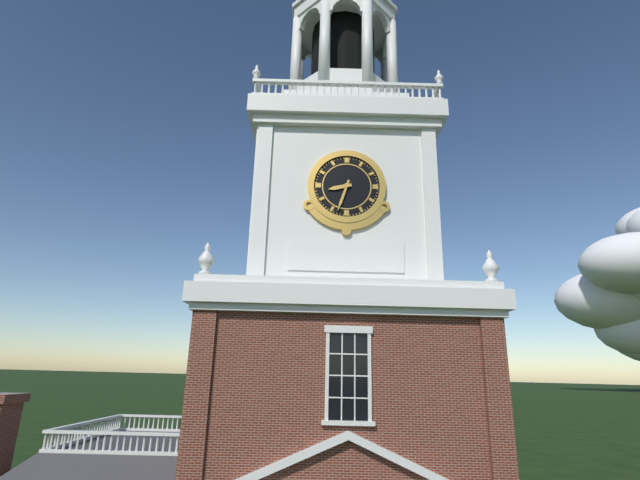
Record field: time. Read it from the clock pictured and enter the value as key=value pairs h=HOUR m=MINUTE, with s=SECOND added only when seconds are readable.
h=8 m=33
